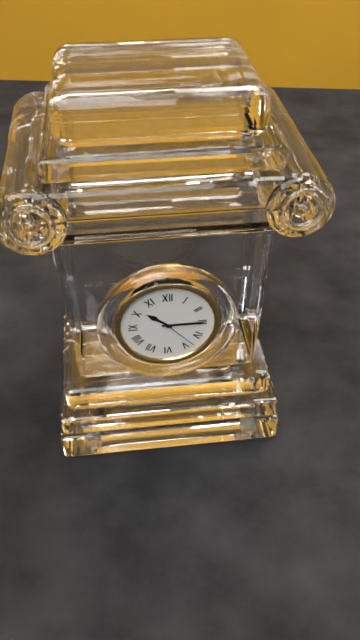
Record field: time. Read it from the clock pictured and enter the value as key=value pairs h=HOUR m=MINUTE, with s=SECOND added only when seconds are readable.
h=10 m=15
